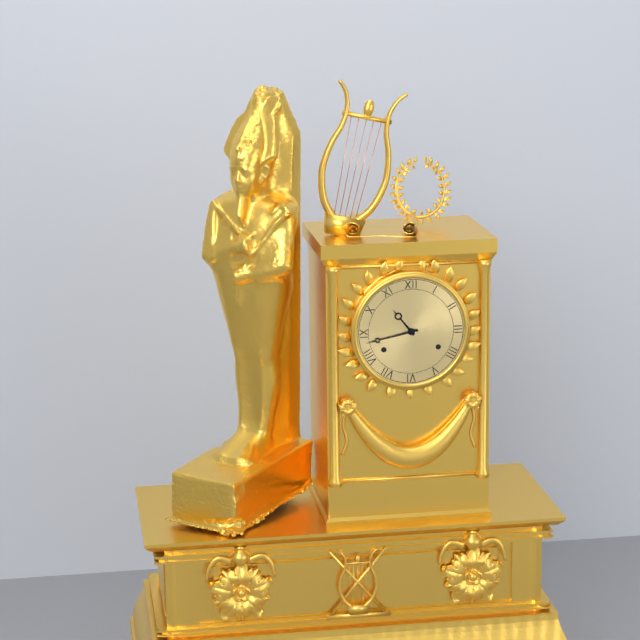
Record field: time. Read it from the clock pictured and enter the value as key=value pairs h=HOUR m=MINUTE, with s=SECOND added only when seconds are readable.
h=10 m=43
